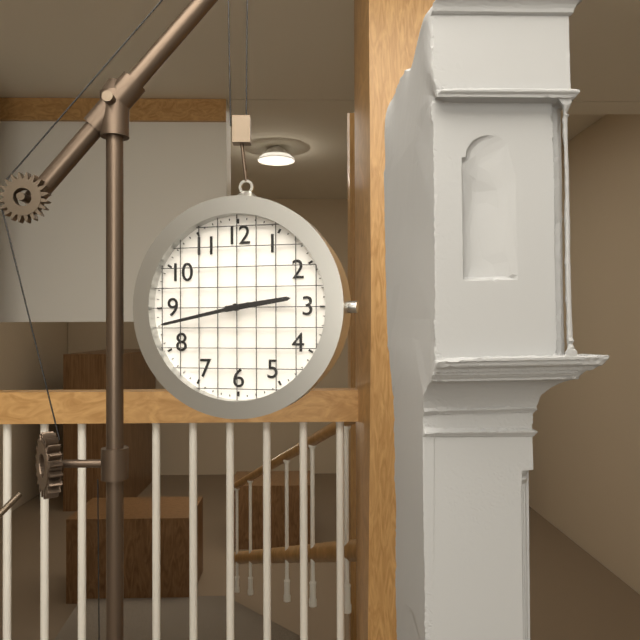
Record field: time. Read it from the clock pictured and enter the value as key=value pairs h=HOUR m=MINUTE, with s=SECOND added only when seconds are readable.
h=2 m=43
